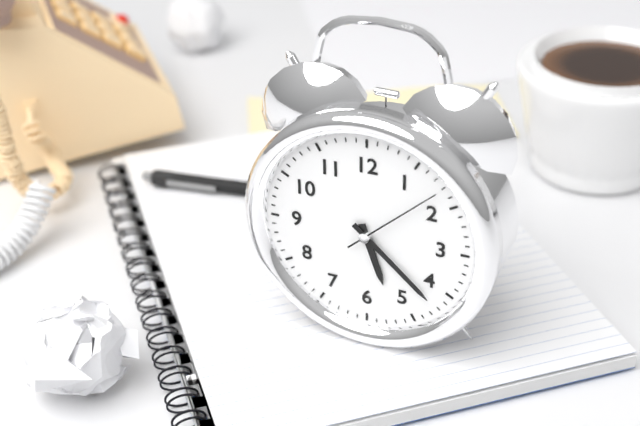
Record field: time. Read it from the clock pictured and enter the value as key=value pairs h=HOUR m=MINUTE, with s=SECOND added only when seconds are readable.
h=5 m=22 s=8
